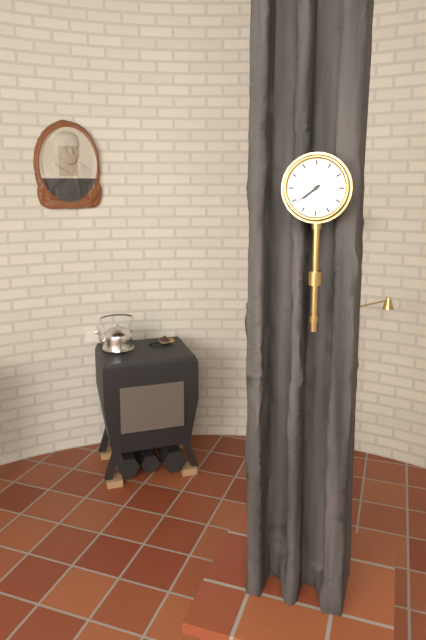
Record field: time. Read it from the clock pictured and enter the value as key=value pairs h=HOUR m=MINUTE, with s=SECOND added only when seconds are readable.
h=7 m=39
